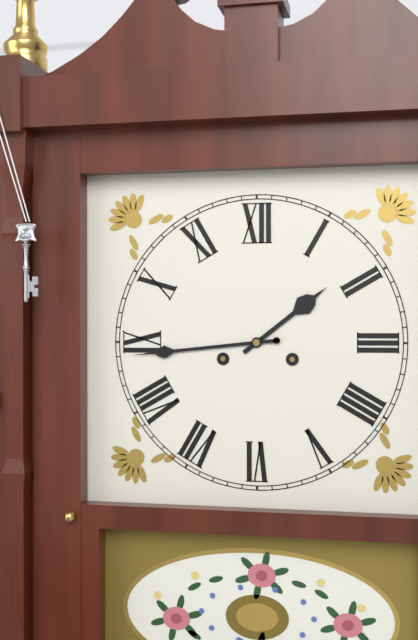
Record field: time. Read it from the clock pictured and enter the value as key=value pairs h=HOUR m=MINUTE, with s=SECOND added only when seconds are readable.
h=1 m=44
